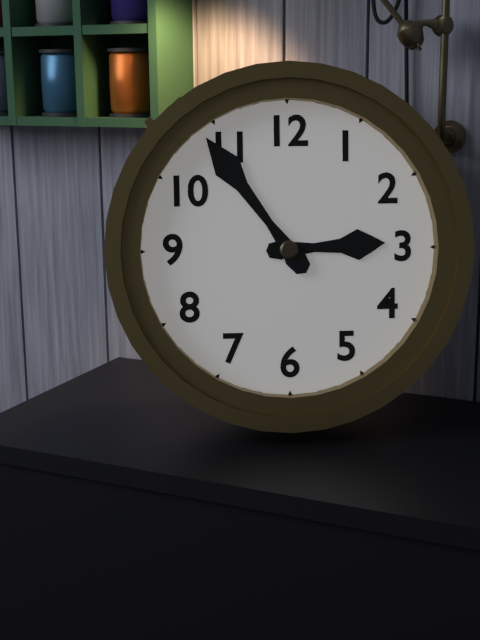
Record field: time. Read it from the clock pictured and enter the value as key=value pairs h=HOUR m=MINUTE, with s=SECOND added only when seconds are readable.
h=2 m=54
